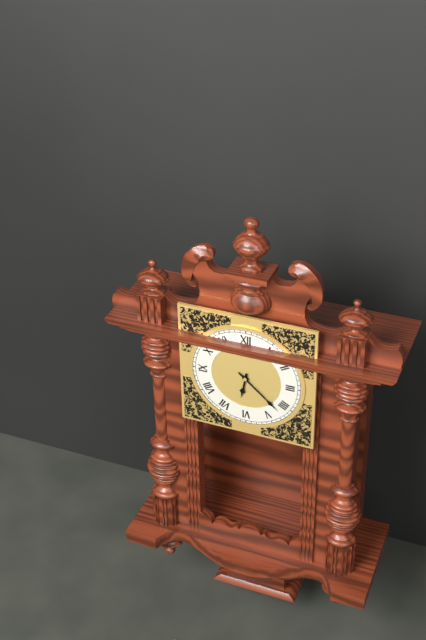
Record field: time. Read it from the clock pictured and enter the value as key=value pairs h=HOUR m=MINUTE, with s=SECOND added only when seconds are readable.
h=6 m=22
